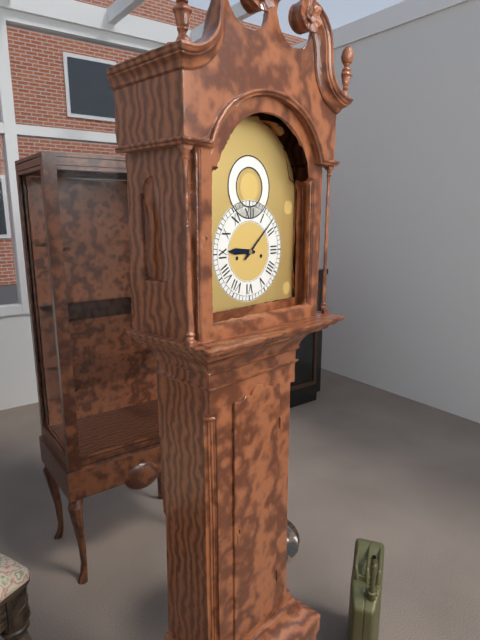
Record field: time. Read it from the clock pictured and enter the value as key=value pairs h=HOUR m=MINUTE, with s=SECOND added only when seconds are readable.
h=9 m=8
